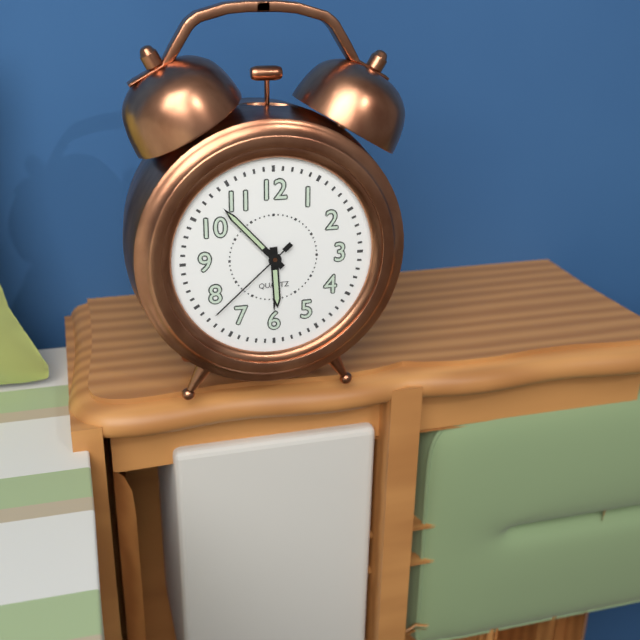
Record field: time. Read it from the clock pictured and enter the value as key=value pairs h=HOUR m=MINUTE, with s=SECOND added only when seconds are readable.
h=5 m=53 s=38
